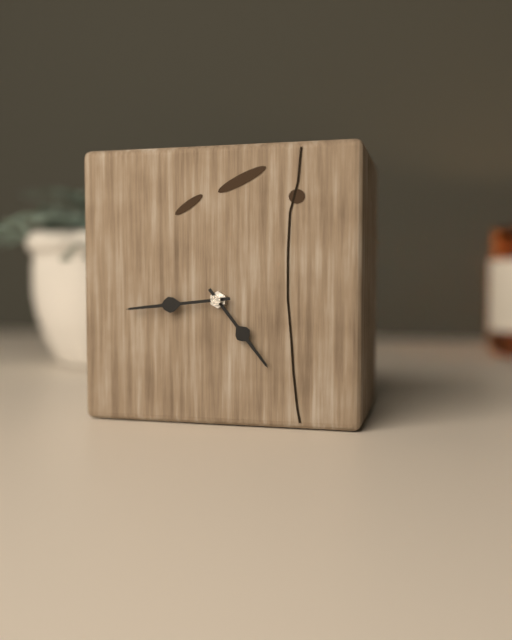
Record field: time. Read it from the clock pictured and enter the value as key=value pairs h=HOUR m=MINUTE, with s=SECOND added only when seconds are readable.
h=4 m=44
